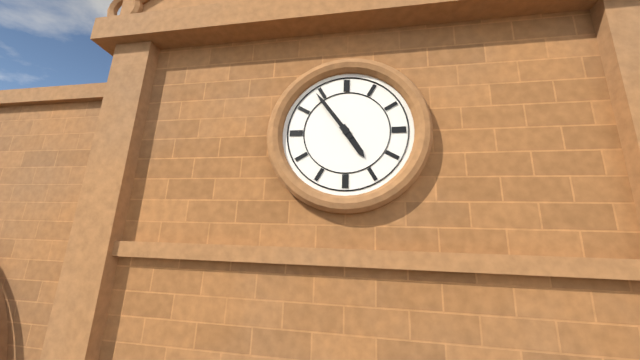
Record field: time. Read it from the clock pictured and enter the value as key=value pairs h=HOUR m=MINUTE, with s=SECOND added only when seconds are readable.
h=4 m=54
